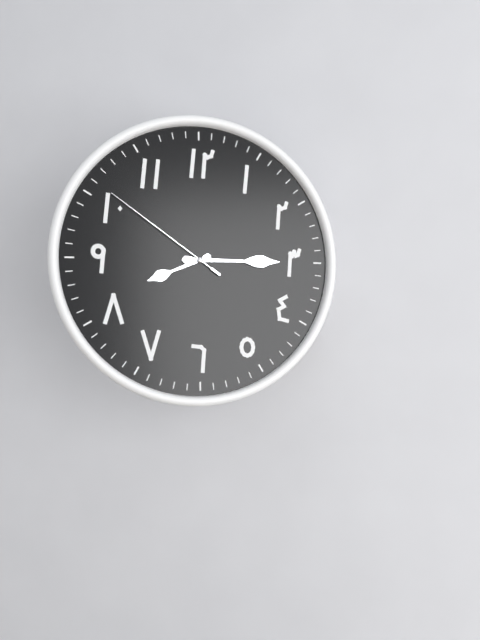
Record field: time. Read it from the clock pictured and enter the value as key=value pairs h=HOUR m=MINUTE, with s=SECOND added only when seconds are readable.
h=8 m=15 s=51
